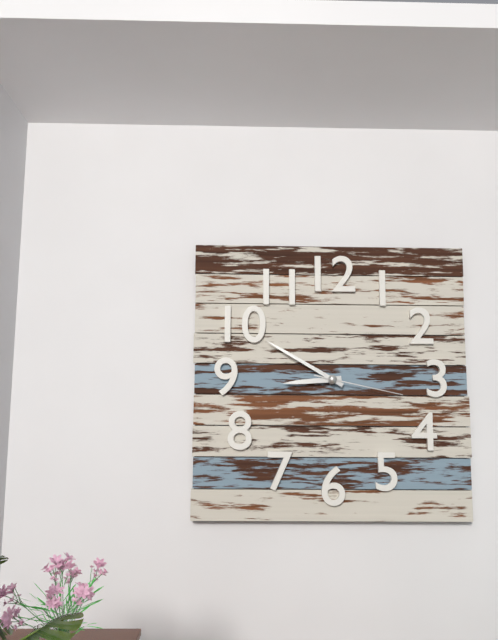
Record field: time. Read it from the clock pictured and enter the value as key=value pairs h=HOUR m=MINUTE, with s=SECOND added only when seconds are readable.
h=8 m=50 s=17
